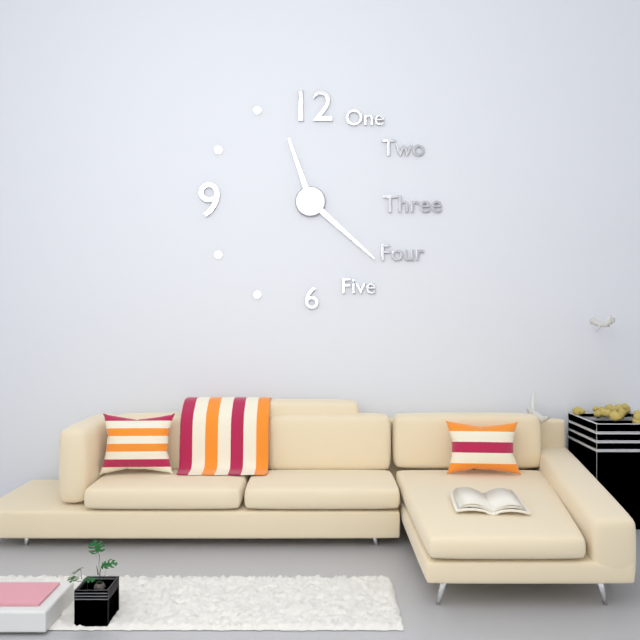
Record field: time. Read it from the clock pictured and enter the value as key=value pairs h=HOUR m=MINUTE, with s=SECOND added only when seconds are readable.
h=11 m=22
